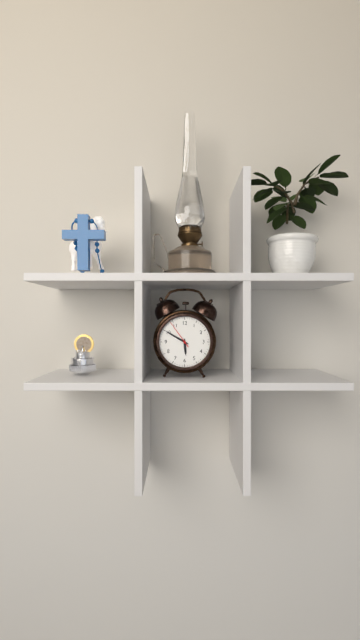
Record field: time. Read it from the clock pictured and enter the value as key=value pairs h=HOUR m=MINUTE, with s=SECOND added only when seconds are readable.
h=5 m=50
